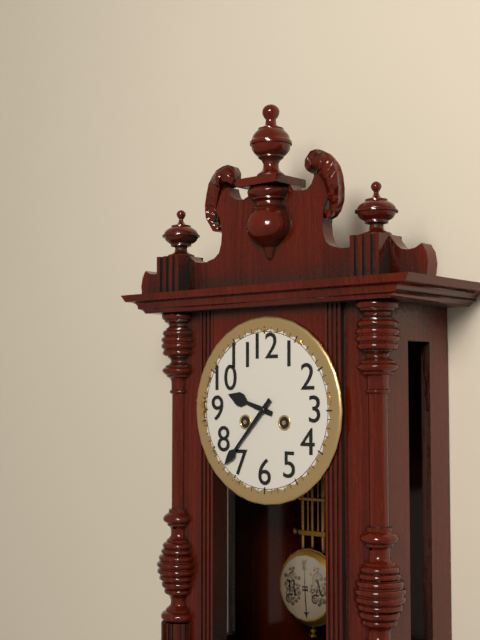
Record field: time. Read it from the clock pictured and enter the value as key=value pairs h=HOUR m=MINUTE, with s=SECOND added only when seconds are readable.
h=9 m=37
